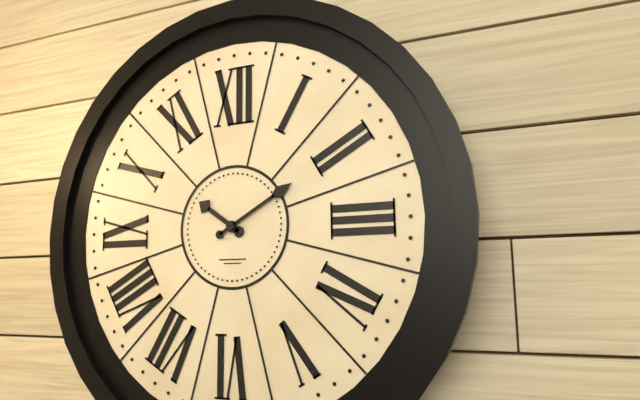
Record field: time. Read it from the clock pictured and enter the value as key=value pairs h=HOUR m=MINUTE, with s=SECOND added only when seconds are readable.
h=10 m=10
